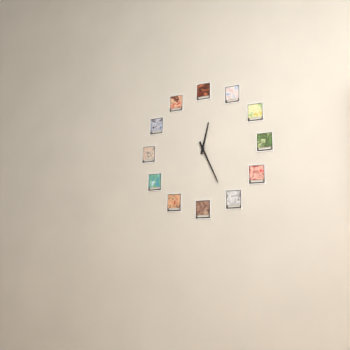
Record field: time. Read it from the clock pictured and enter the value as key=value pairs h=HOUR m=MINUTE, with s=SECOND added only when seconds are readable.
h=12 m=26
